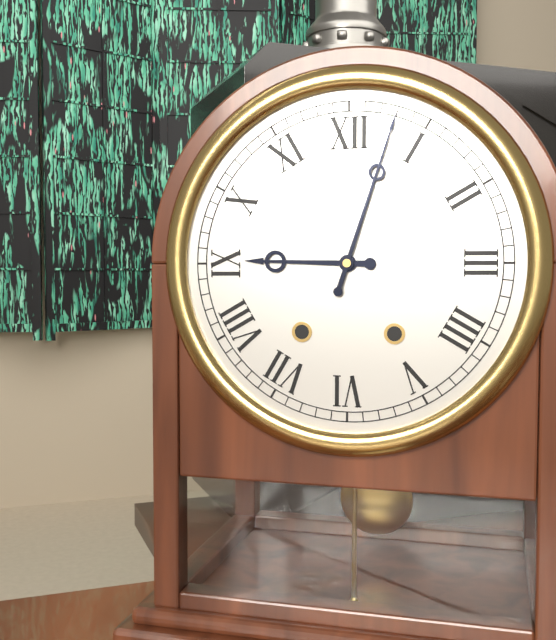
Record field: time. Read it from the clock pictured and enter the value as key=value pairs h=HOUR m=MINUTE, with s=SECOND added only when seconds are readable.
h=9 m=3
